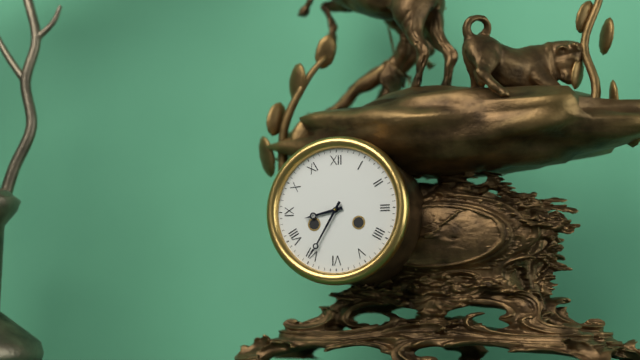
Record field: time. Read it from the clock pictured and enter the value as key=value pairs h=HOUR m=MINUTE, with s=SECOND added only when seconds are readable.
h=8 m=35
